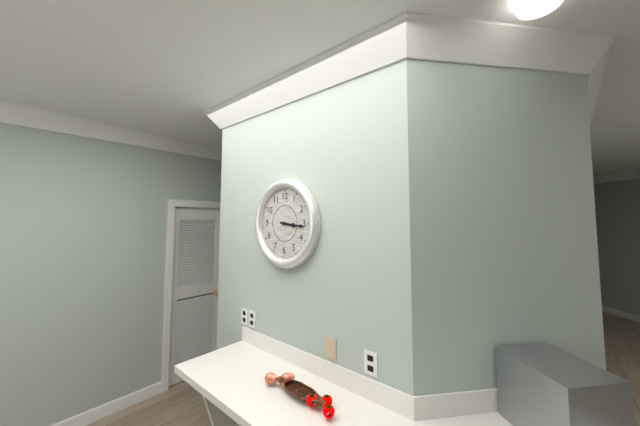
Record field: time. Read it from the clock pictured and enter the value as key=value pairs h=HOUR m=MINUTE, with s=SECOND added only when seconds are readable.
h=3 m=16
